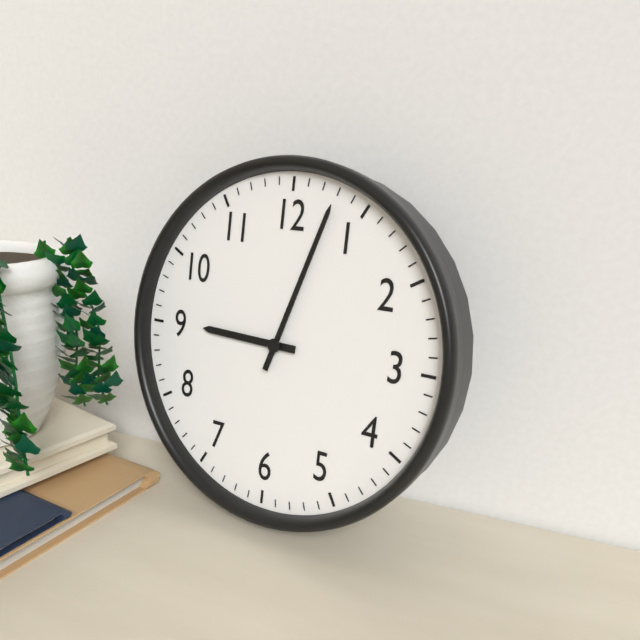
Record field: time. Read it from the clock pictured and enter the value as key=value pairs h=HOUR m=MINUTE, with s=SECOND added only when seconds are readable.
h=9 m=3
